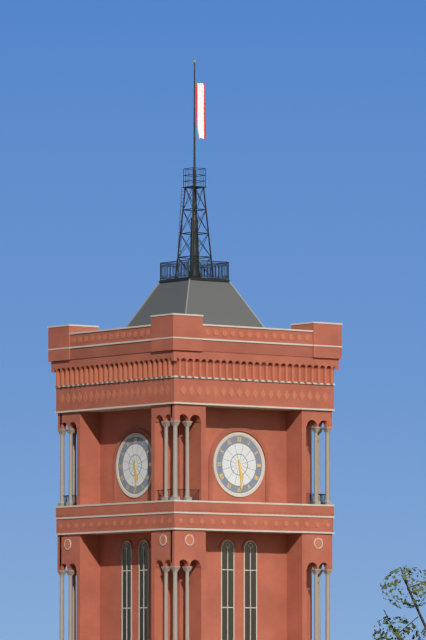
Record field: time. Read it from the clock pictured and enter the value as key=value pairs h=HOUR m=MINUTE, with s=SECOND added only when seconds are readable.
h=5 m=29
